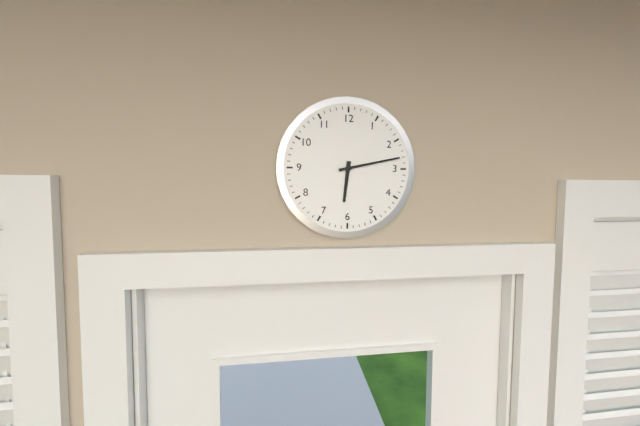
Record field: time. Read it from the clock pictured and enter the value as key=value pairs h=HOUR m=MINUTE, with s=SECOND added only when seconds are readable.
h=6 m=13
